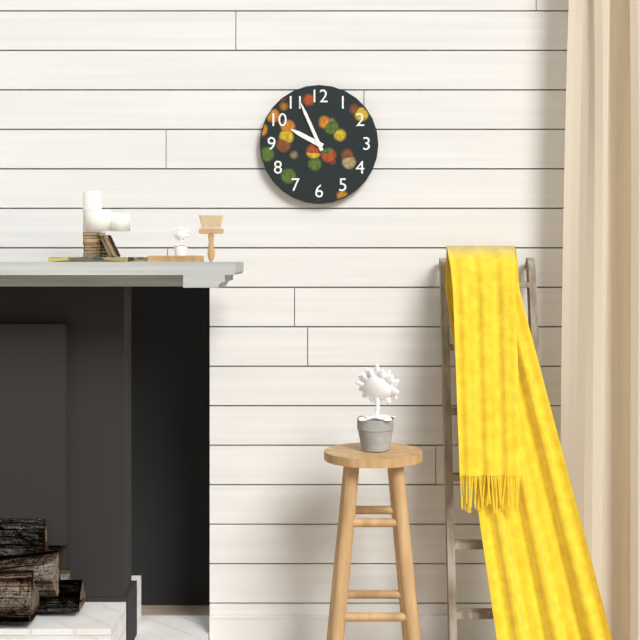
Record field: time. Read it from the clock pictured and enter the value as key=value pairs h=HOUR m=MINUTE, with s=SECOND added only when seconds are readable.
h=9 m=56
